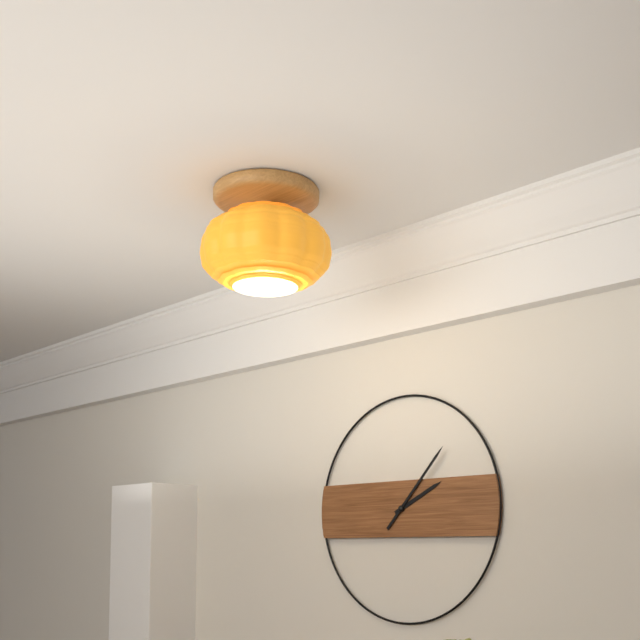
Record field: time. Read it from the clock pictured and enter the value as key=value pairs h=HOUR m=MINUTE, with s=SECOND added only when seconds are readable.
h=2 m=7
